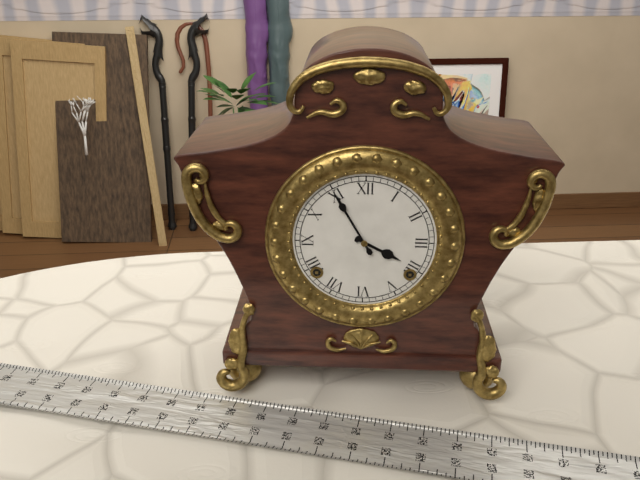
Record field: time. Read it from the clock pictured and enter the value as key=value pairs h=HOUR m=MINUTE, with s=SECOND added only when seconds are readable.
h=3 m=55
